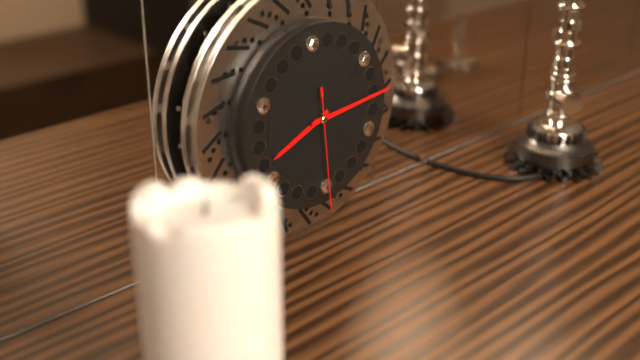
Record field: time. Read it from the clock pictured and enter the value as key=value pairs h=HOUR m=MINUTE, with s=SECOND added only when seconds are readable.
h=8 m=14 s=29
